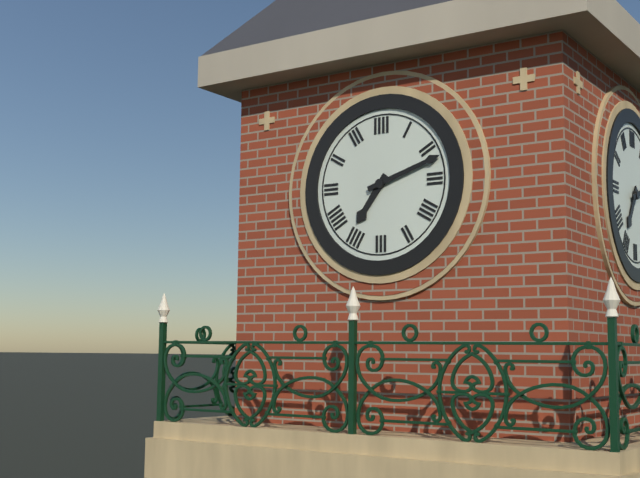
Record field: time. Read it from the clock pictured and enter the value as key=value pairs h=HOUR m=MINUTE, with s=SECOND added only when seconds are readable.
h=7 m=12
